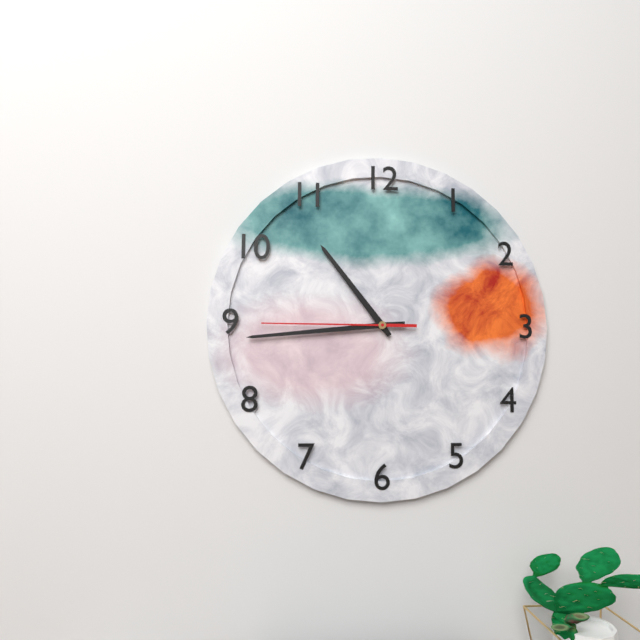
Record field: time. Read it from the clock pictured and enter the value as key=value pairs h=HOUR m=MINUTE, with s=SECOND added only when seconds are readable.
h=10 m=44 s=45
